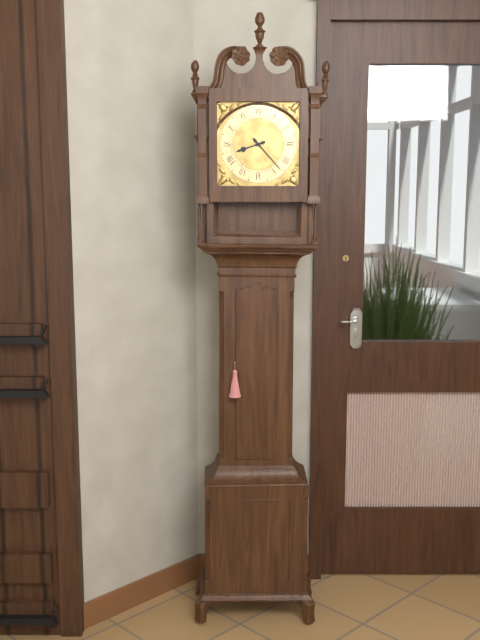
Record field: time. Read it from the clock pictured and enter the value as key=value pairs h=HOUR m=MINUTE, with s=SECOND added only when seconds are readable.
h=8 m=23
